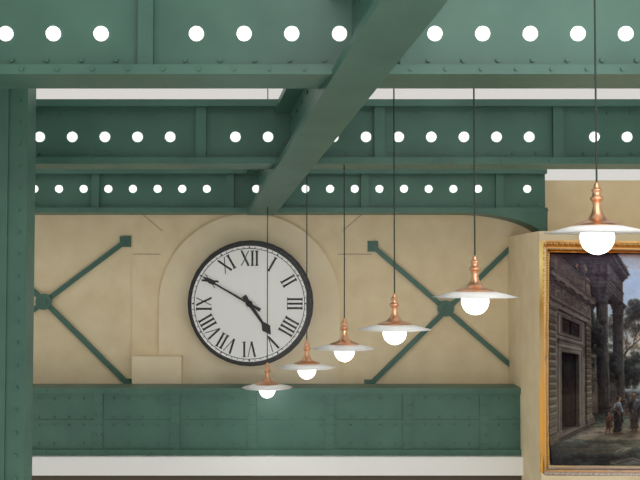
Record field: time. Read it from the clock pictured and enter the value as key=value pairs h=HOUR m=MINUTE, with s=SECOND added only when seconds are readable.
h=4 m=50
